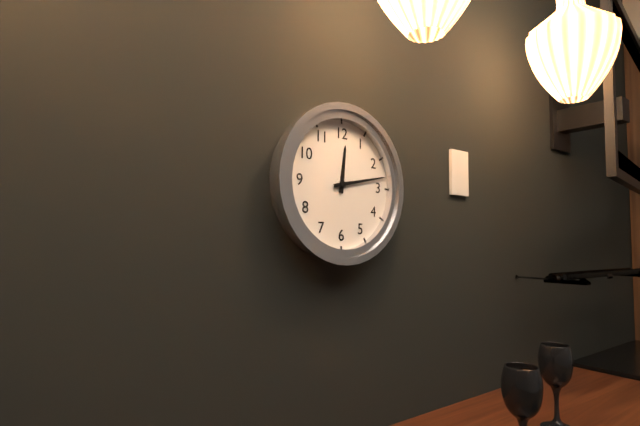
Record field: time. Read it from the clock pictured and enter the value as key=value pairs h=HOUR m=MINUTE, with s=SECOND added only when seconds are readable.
h=12 m=13
